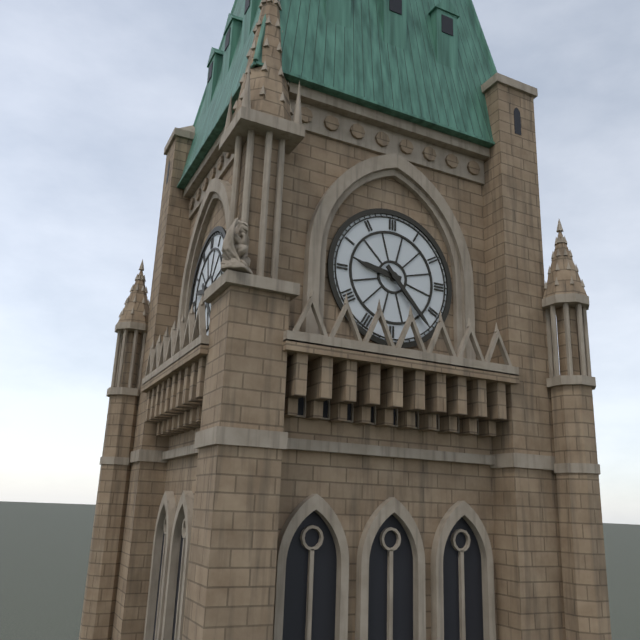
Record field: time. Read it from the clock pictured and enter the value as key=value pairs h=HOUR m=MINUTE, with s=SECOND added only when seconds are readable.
h=9 m=23
